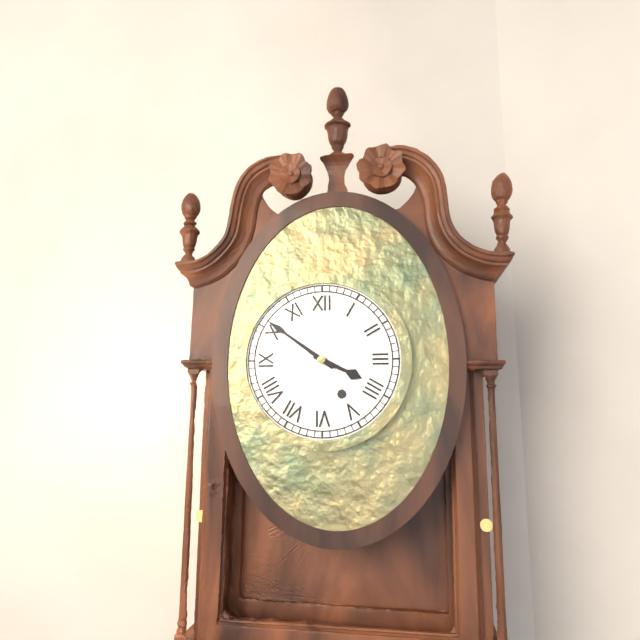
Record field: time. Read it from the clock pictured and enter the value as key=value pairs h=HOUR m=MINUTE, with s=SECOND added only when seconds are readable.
h=3 m=51
